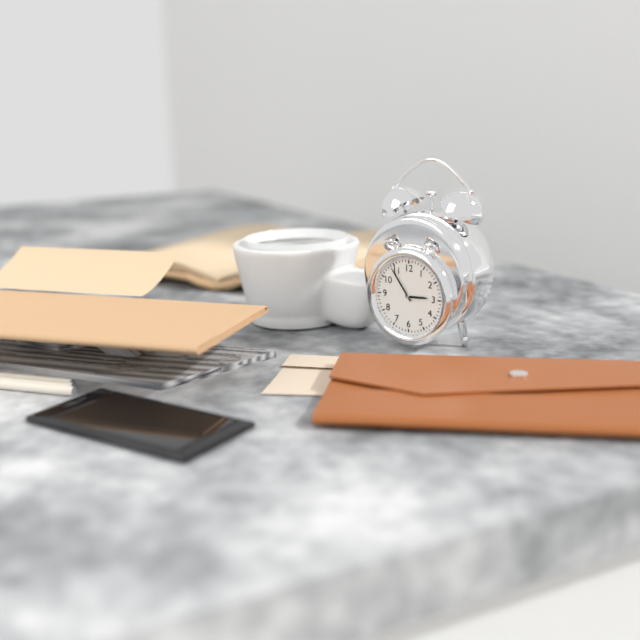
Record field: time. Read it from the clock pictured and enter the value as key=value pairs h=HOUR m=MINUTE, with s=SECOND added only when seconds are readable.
h=2 m=54
